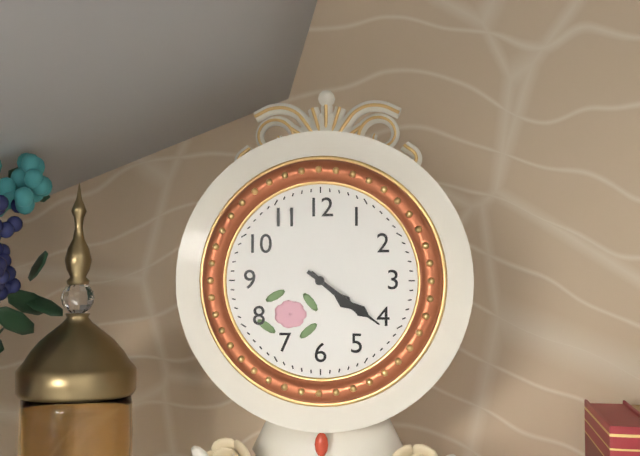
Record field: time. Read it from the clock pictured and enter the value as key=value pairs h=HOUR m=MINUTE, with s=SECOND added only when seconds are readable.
h=4 m=21
